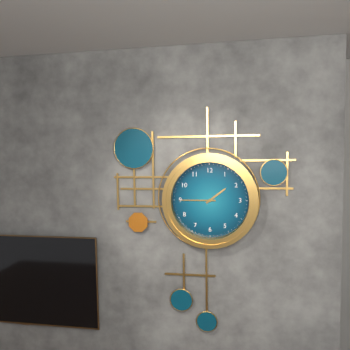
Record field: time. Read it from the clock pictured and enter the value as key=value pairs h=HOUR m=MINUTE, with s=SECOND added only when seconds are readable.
h=1 m=45
